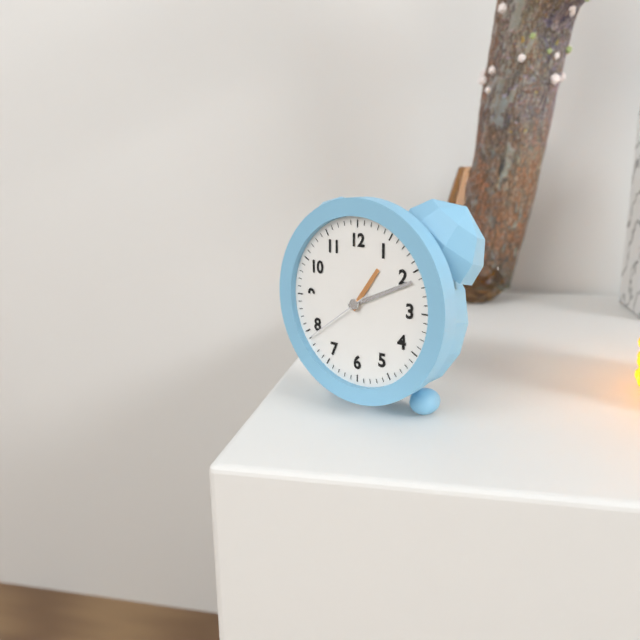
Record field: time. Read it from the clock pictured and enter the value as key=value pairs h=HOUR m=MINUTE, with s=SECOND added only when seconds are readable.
h=1 m=11 s=39
